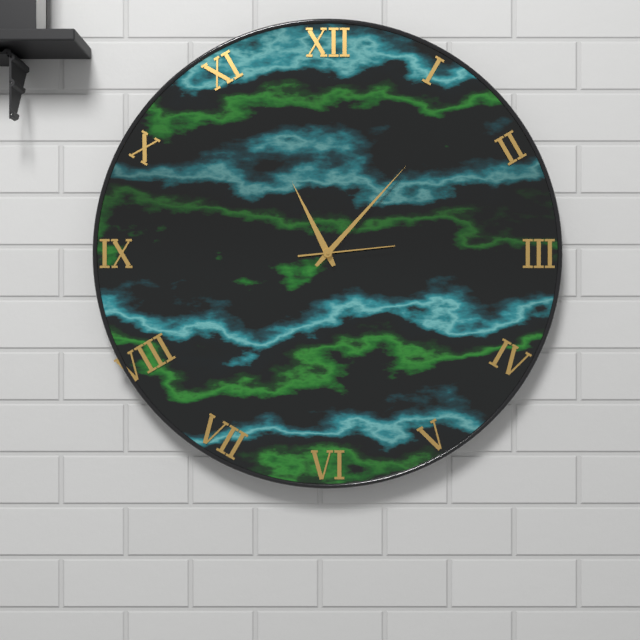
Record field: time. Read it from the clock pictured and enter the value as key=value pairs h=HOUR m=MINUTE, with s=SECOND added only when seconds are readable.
h=11 m=7 s=14
